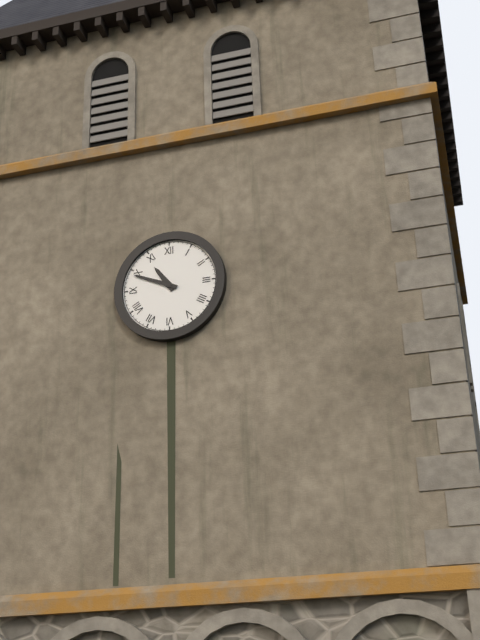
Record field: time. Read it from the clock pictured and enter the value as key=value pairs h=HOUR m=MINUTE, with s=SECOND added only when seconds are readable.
h=10 m=49
